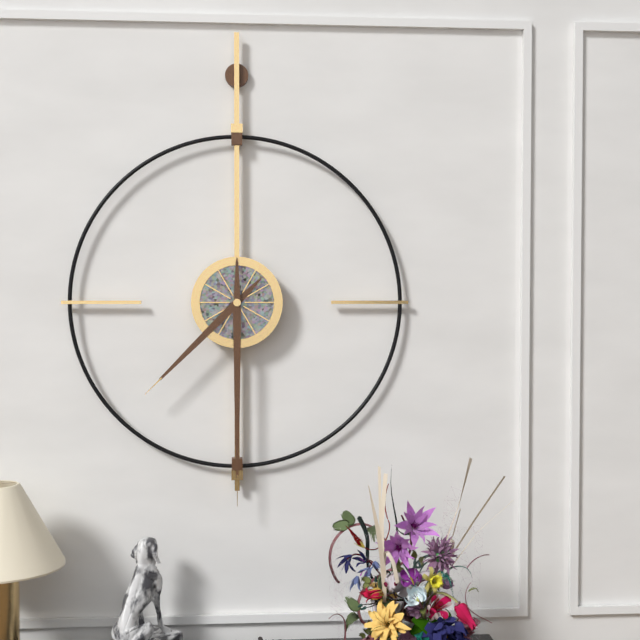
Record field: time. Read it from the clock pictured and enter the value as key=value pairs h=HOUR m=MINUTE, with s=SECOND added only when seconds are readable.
h=7 m=30
